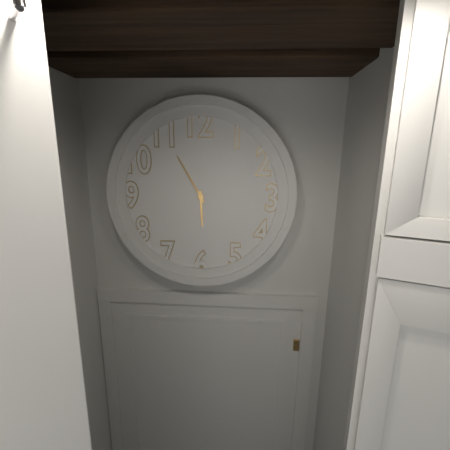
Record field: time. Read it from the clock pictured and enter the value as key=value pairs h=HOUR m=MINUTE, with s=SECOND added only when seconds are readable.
h=5 m=55
